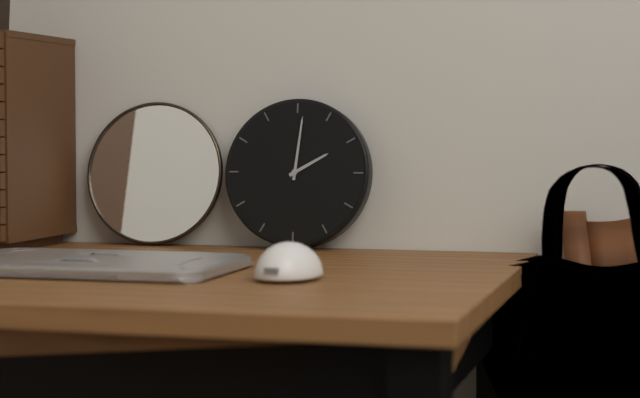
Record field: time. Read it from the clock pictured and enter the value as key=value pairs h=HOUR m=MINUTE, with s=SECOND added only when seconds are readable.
h=2 m=1
